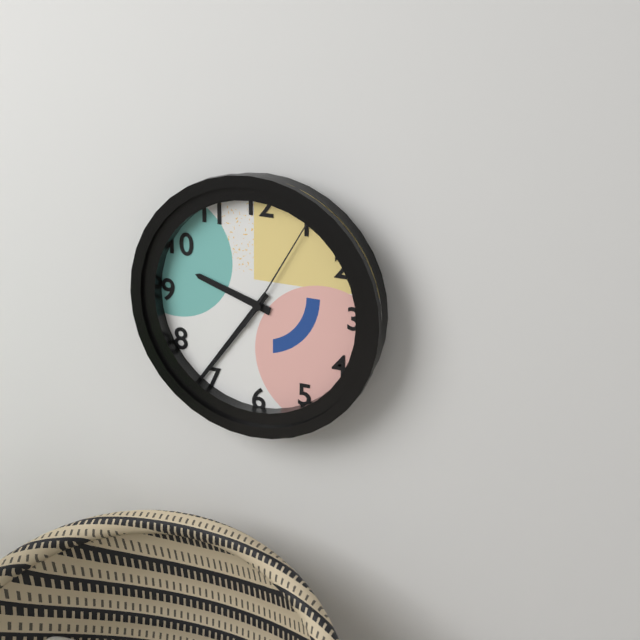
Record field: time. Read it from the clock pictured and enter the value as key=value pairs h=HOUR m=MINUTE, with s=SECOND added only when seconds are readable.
h=9 m=36 s=5
